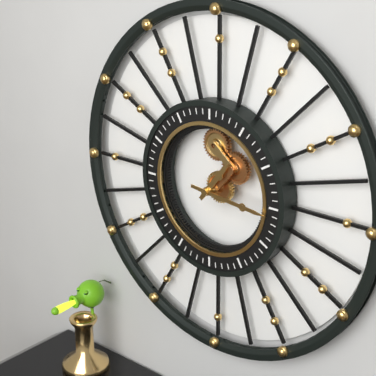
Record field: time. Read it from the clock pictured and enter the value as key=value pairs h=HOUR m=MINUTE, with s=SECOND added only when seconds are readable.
h=1 m=16
